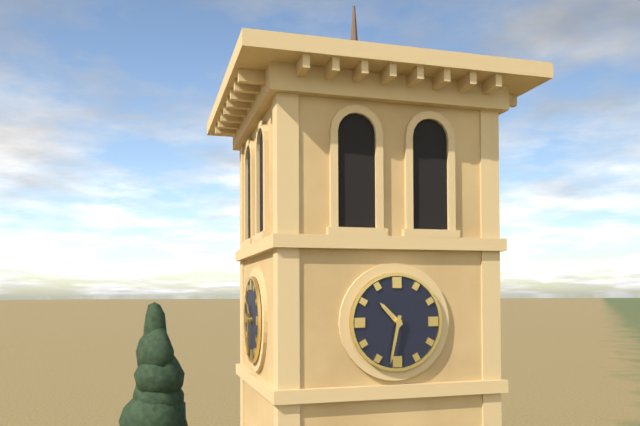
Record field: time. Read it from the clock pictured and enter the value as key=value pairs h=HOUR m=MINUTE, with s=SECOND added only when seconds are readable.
h=10 m=32
